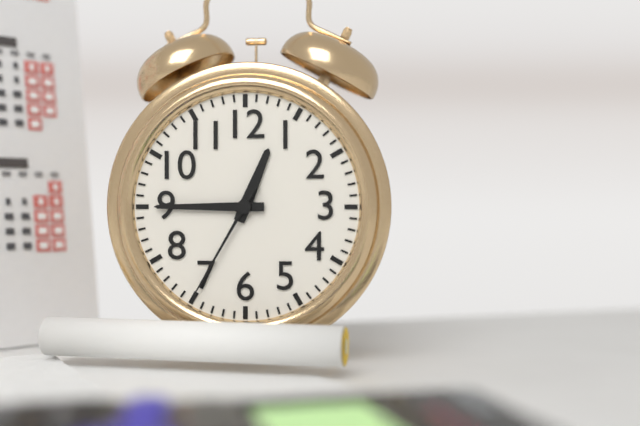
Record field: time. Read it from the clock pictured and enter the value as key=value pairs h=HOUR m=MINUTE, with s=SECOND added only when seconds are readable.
h=12 m=45 s=35
